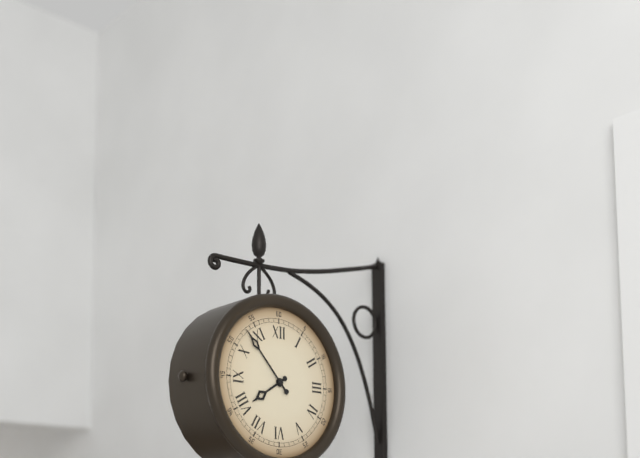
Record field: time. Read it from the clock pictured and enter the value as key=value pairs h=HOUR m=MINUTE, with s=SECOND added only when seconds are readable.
h=7 m=53
